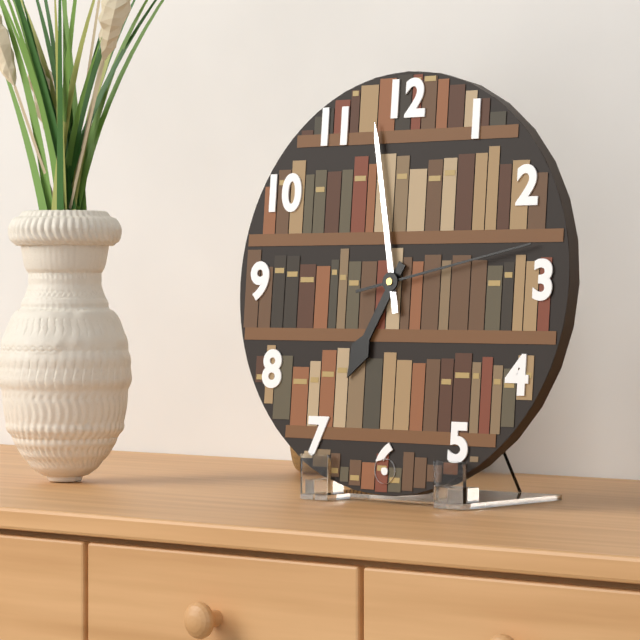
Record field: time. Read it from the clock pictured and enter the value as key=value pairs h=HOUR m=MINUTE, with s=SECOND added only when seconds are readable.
h=6 m=58 s=13
